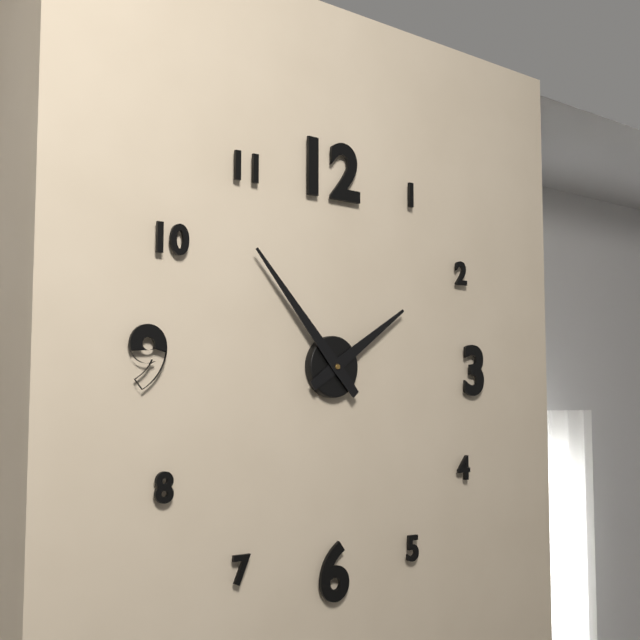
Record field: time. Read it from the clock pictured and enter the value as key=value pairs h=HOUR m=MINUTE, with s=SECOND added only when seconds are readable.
h=1 m=53
